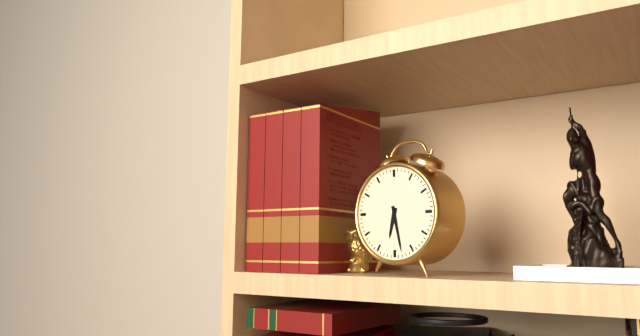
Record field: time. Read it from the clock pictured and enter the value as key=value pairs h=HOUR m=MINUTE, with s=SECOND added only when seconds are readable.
h=6 m=28
